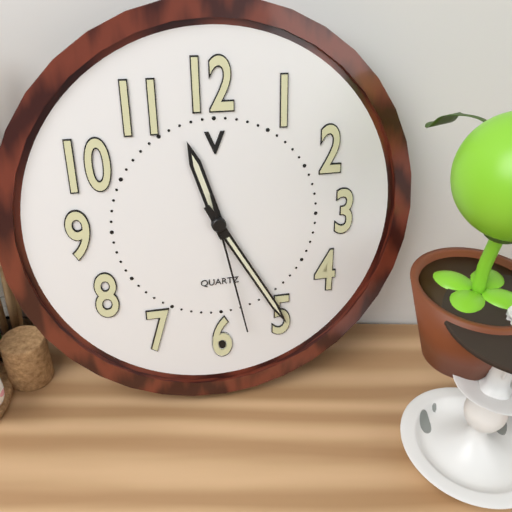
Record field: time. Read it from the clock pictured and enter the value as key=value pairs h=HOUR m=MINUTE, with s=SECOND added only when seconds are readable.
h=11 m=25 s=28
